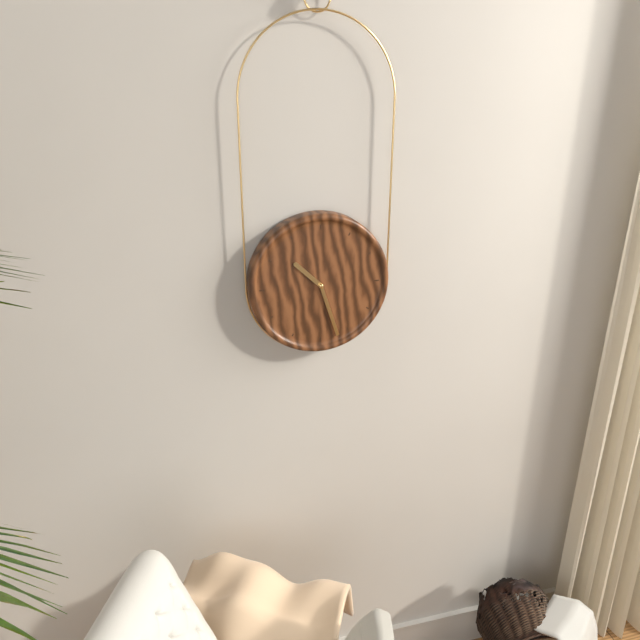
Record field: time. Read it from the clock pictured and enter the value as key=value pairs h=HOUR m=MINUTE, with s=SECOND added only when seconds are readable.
h=10 m=27
